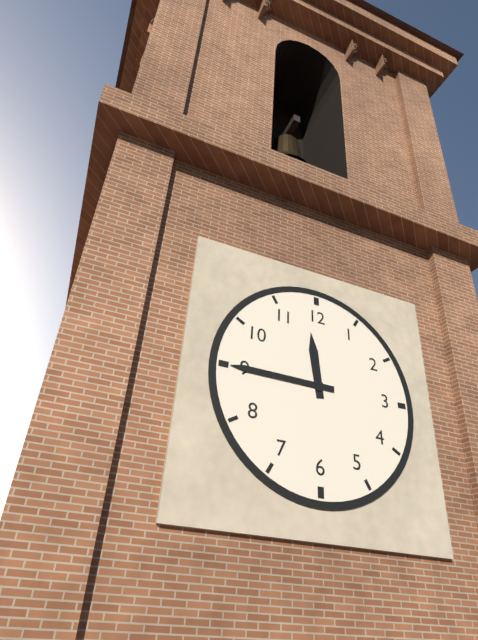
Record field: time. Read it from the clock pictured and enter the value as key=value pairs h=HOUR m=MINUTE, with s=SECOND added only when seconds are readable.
h=11 m=45
